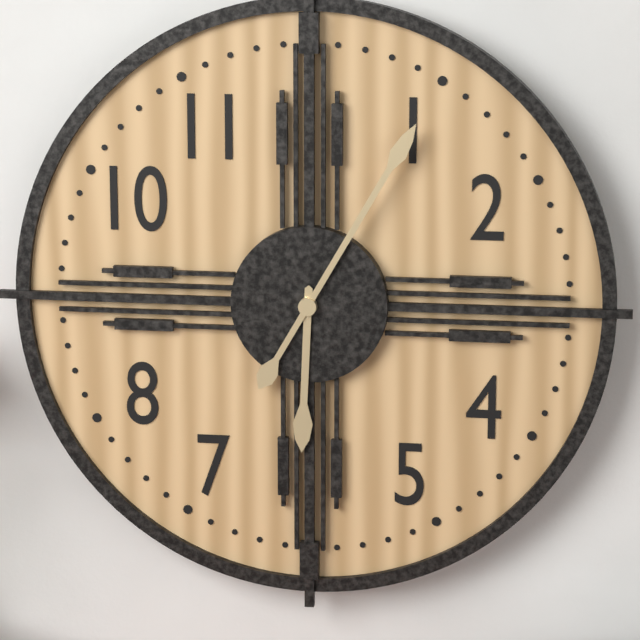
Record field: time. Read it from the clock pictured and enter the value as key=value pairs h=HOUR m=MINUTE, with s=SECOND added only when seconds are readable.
h=6 m=5
